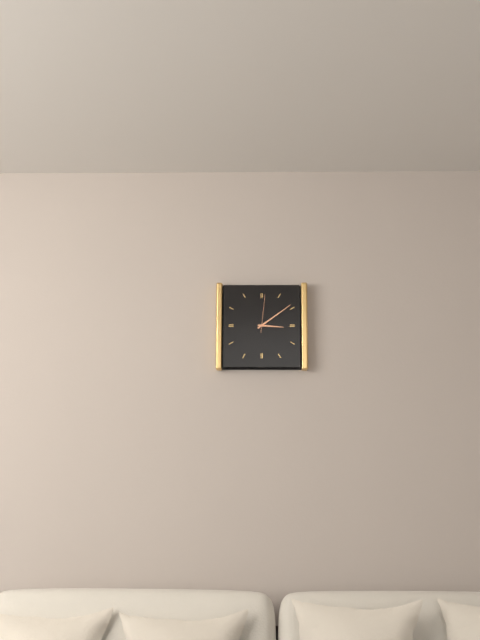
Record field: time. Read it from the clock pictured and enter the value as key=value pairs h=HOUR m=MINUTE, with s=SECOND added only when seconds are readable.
h=3 m=9
